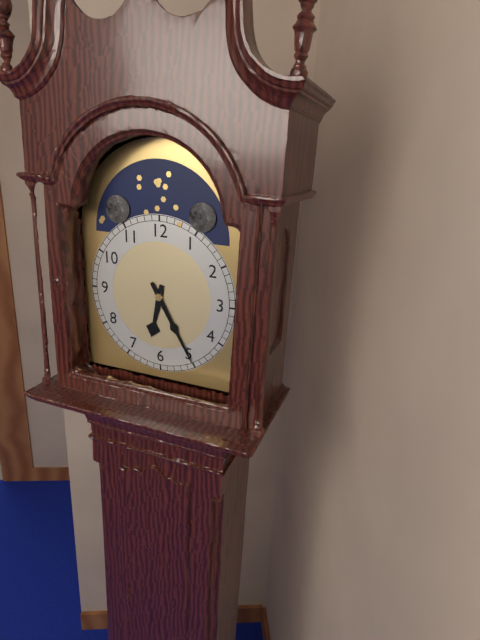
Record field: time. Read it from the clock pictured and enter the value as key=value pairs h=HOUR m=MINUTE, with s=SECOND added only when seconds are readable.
h=6 m=25
